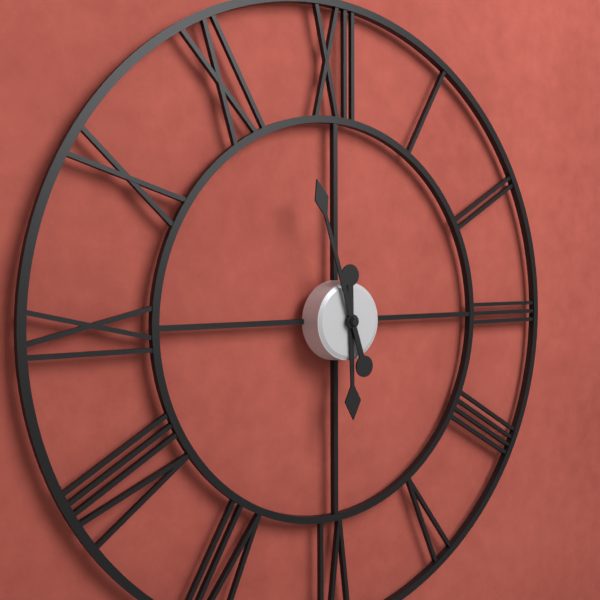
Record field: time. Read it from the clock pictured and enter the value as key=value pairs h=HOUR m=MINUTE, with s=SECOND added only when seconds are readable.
h=5 m=57
